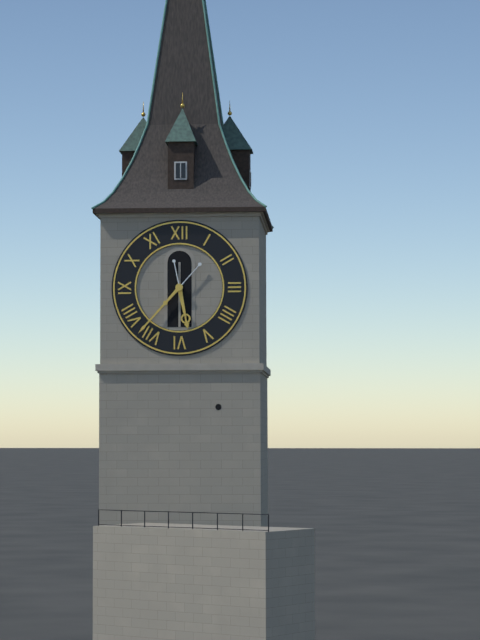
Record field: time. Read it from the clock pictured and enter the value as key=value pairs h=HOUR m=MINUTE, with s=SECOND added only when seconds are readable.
h=5 m=37
